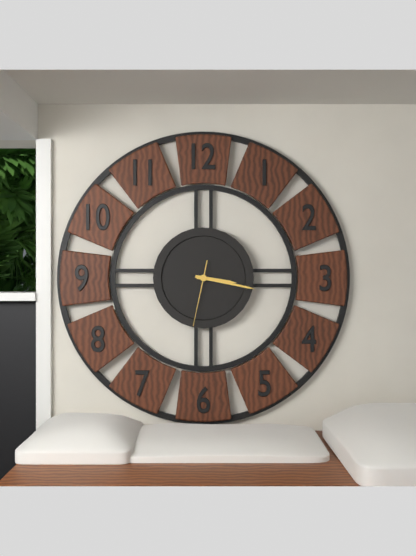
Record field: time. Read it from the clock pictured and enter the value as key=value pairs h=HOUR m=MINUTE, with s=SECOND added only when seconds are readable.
h=3 m=17 s=32
